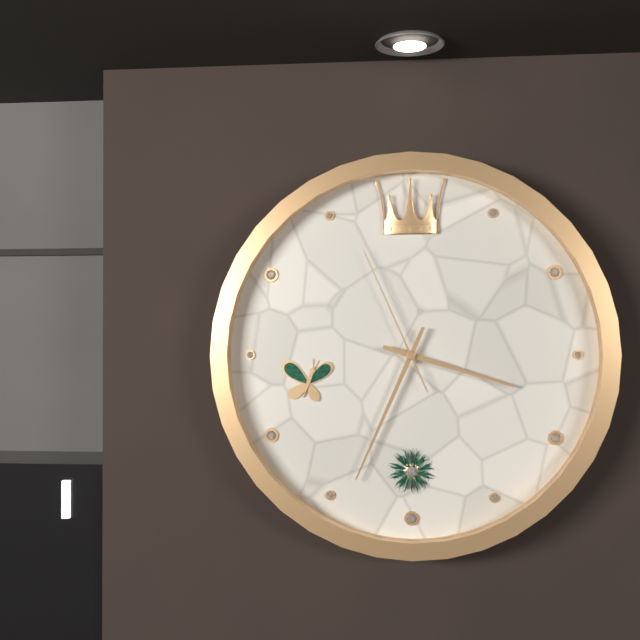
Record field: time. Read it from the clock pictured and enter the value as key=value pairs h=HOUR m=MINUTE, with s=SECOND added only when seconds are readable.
h=3 m=34 s=56
